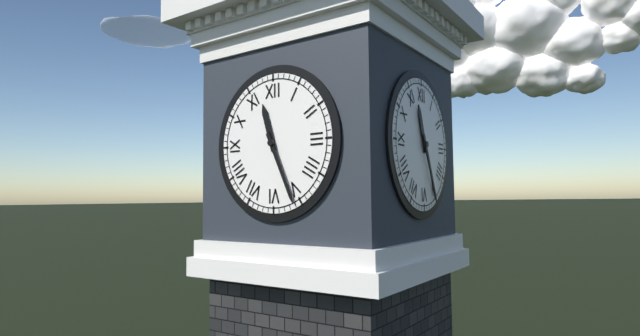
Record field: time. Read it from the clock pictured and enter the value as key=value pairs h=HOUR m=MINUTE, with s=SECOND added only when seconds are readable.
h=11 m=26
